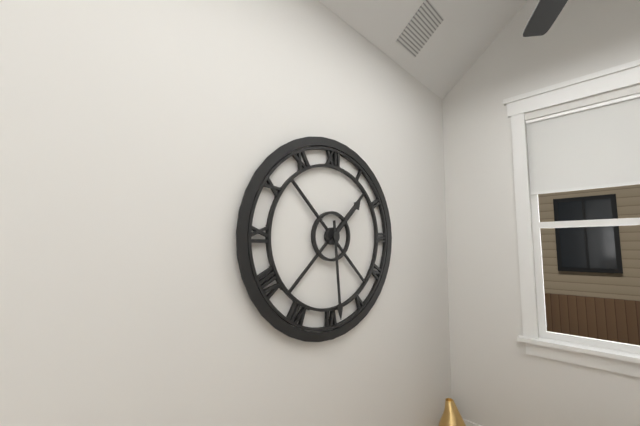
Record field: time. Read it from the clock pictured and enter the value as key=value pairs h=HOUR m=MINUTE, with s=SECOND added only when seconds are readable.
h=1 m=29
